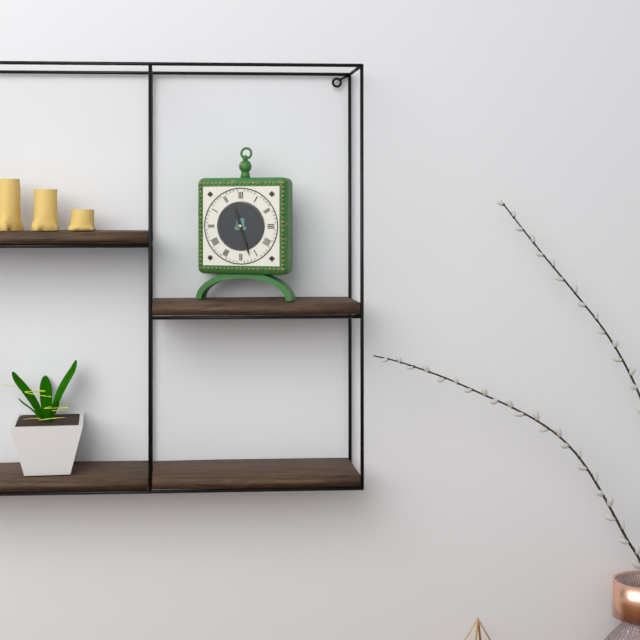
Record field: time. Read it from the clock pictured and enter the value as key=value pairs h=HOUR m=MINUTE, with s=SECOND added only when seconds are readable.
h=11 m=27
